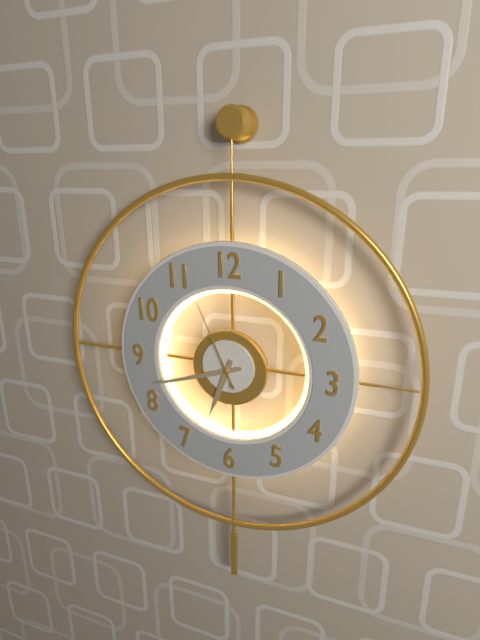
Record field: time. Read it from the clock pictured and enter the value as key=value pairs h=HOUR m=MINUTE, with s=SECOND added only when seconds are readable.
h=6 m=42 s=56
